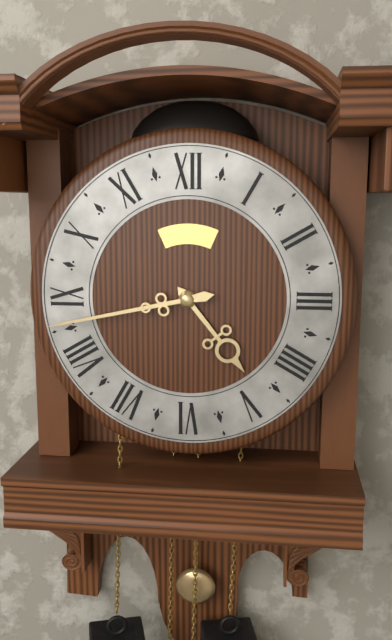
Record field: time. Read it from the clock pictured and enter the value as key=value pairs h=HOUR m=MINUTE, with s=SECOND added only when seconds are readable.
h=4 m=43
